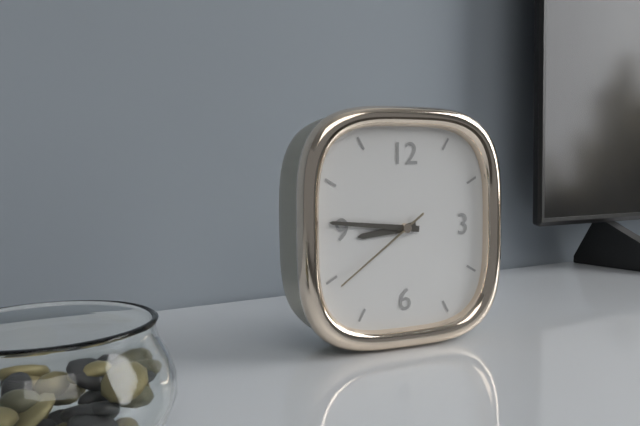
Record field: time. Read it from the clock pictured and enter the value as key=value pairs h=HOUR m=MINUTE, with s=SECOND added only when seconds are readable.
h=8 m=46 s=39
